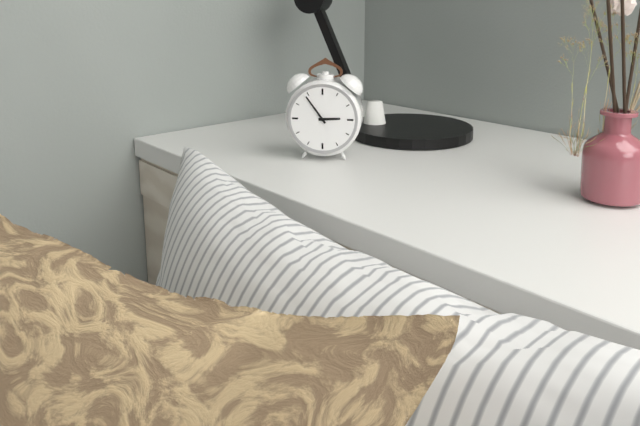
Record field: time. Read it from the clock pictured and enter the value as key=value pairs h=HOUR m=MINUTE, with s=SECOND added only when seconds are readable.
h=2 m=54
